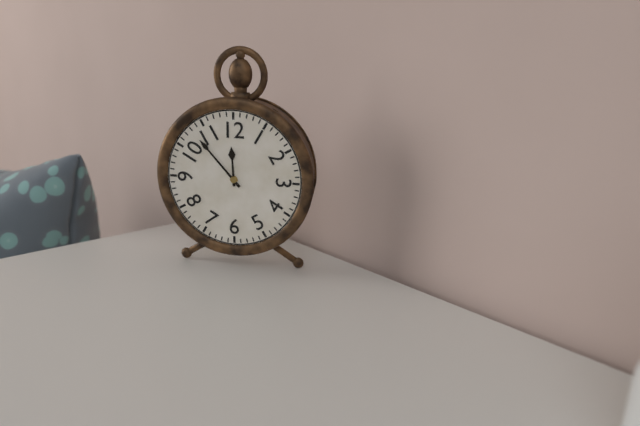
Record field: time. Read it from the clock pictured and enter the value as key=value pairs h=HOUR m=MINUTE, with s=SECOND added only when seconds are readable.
h=11 m=53
